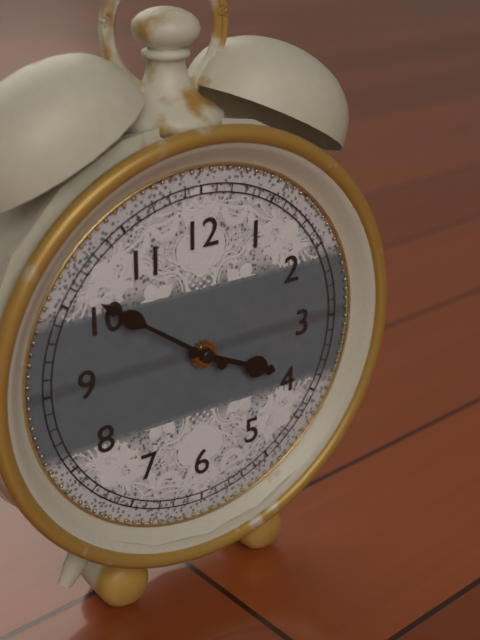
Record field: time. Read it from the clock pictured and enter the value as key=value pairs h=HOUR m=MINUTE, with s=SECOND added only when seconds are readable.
h=3 m=51
